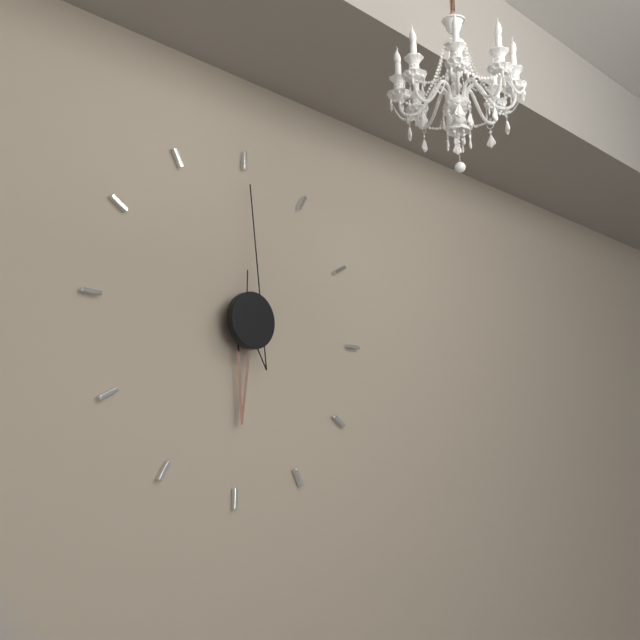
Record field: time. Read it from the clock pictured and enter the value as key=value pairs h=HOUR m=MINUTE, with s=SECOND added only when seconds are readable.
h=6 m=0
